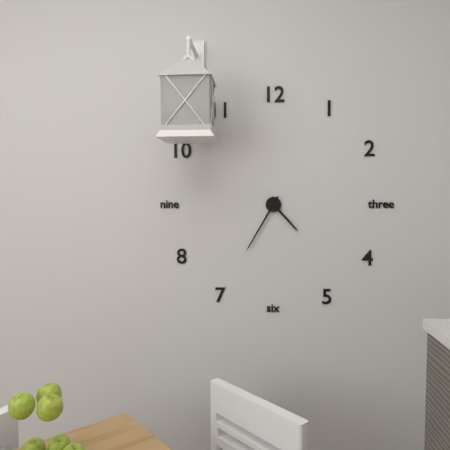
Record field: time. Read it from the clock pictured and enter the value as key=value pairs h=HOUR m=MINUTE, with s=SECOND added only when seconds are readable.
h=4 m=35
